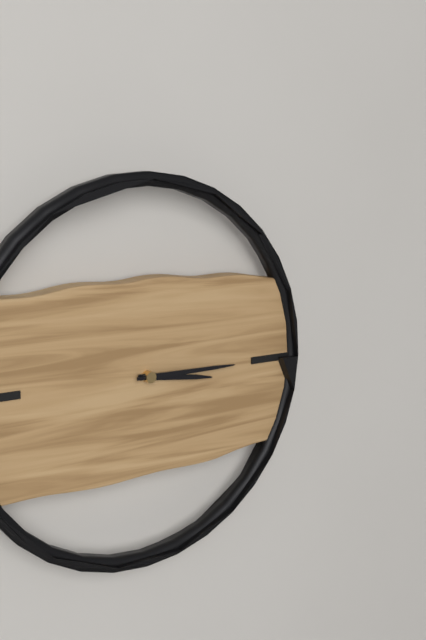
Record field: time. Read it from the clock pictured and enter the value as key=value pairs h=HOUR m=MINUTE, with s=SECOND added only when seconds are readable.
h=3 m=15
